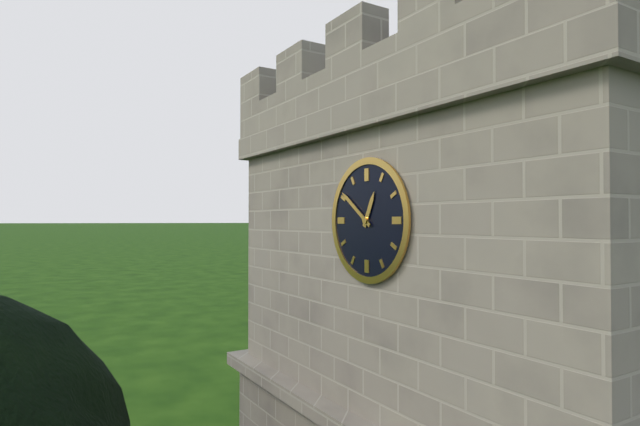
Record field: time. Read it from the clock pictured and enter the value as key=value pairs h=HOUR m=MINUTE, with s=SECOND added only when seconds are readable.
h=12 m=51
